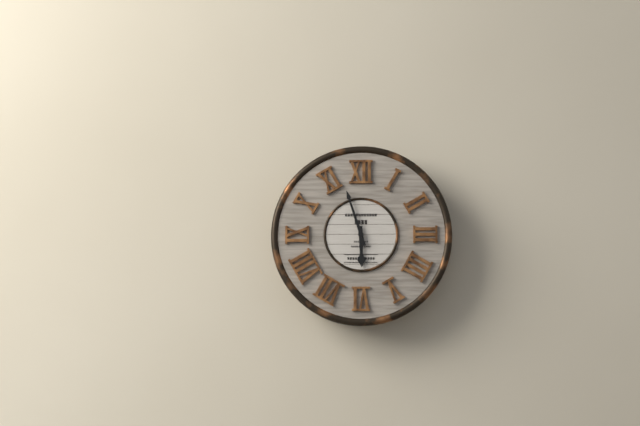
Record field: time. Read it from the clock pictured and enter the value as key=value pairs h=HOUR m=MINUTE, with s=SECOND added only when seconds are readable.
h=5 m=57
